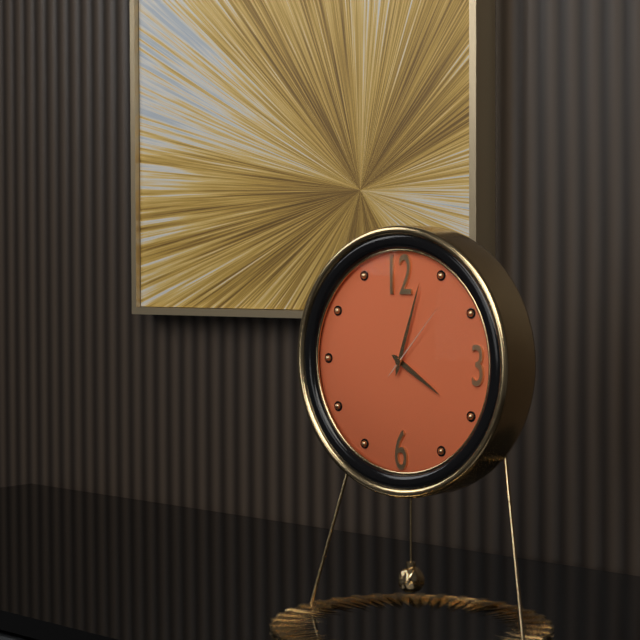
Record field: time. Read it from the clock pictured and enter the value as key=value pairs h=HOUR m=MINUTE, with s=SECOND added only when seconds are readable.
h=4 m=3 s=7
